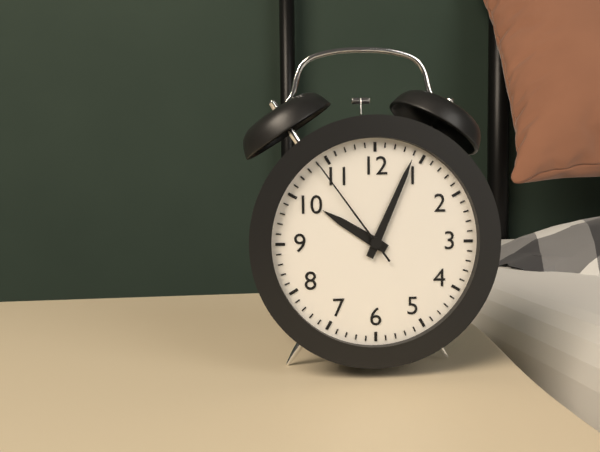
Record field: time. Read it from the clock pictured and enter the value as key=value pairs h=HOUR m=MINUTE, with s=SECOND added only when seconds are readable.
h=10 m=4 s=54
